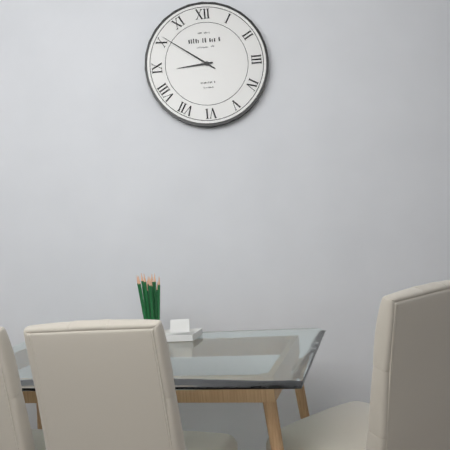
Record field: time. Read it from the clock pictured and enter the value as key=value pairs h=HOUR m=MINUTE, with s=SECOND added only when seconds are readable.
h=8 m=51
